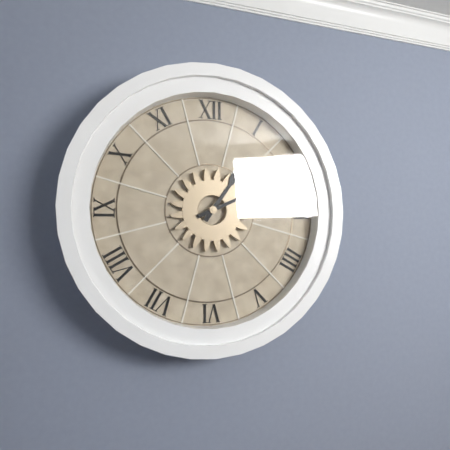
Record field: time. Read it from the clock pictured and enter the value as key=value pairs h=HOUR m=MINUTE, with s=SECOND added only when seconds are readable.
h=1 m=11
